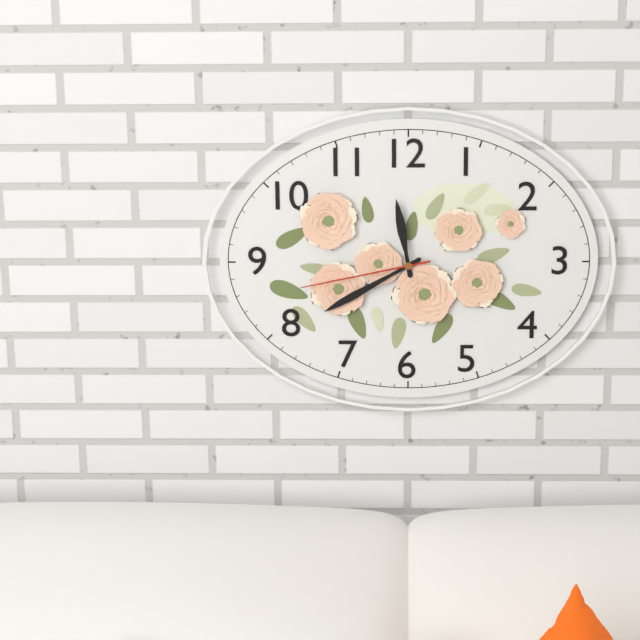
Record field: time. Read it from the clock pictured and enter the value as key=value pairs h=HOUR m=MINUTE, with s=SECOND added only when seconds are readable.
h=11 m=40 s=43
